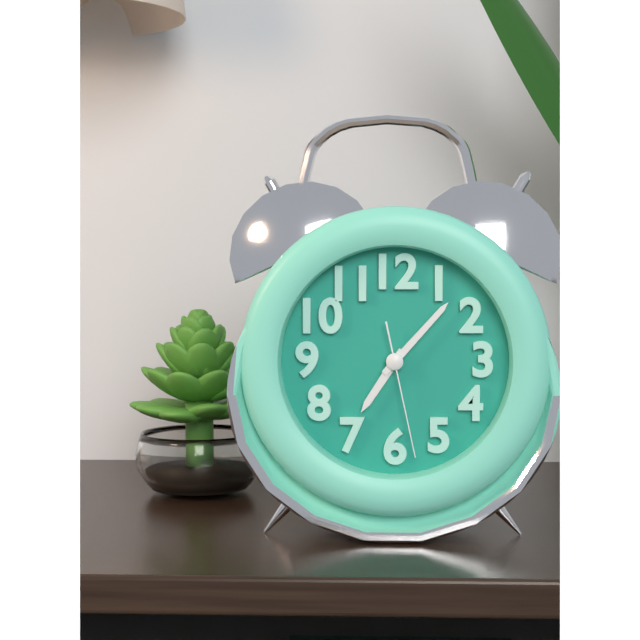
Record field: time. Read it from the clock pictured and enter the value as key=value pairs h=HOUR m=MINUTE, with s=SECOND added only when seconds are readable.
h=7 m=7 s=28
